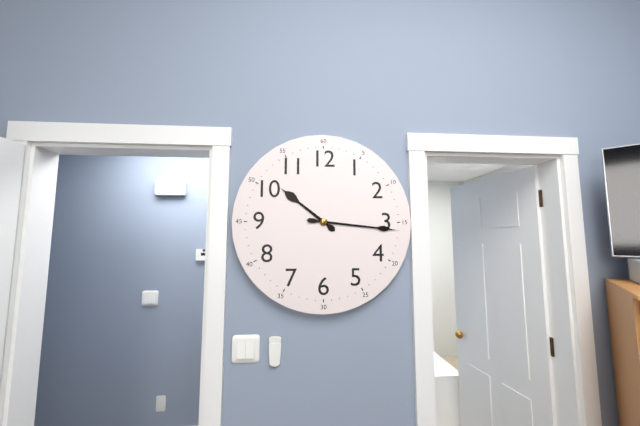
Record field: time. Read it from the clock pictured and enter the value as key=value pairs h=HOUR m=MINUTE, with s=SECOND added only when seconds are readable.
h=10 m=16
